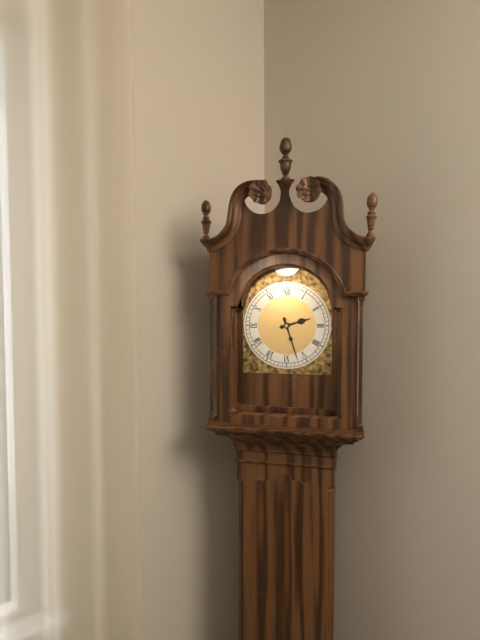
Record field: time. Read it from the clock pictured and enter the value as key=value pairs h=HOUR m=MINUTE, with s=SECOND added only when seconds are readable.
h=2 m=27
